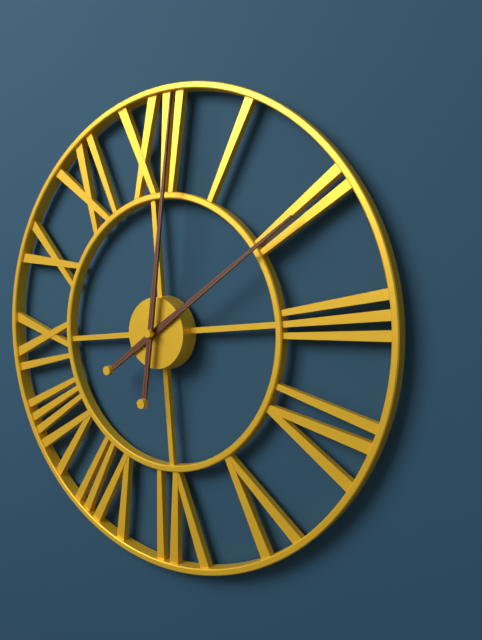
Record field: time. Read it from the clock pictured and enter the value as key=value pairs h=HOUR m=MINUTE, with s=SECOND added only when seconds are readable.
h=2 m=2
